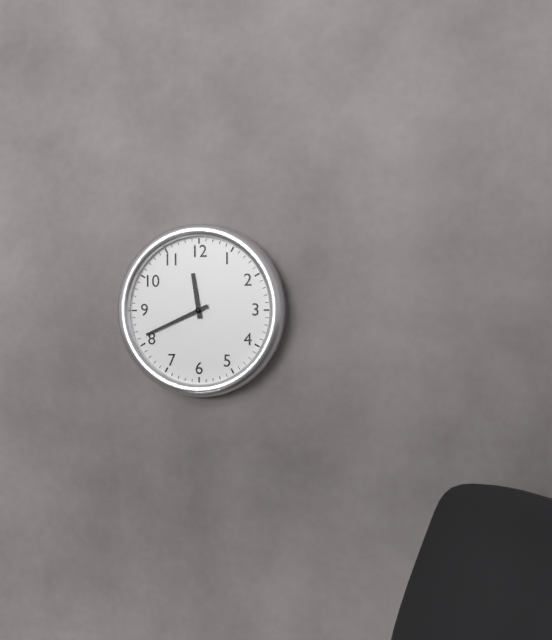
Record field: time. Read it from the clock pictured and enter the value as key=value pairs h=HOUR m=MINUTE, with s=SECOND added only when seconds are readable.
h=11 m=41
